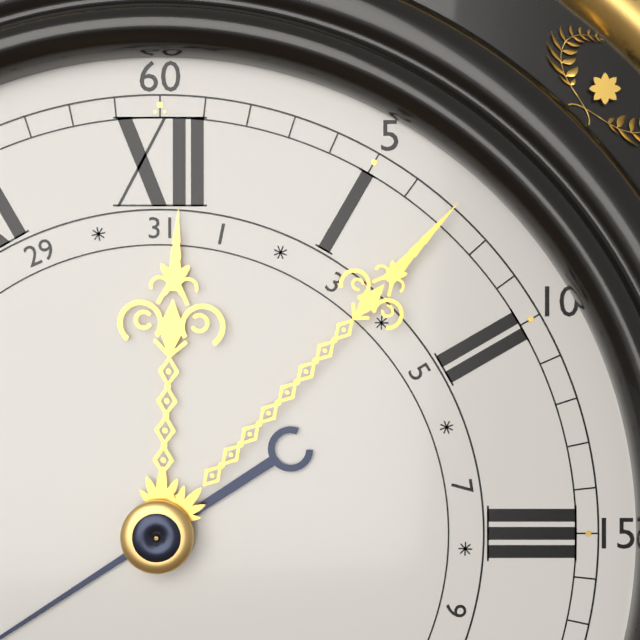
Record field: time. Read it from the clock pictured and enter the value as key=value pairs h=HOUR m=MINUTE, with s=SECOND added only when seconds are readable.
h=12 m=7
